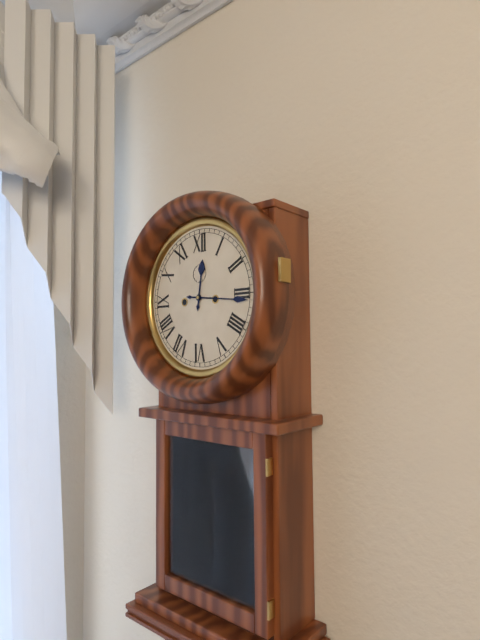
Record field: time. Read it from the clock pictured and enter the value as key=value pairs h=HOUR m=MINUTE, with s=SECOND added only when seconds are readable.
h=12 m=16
